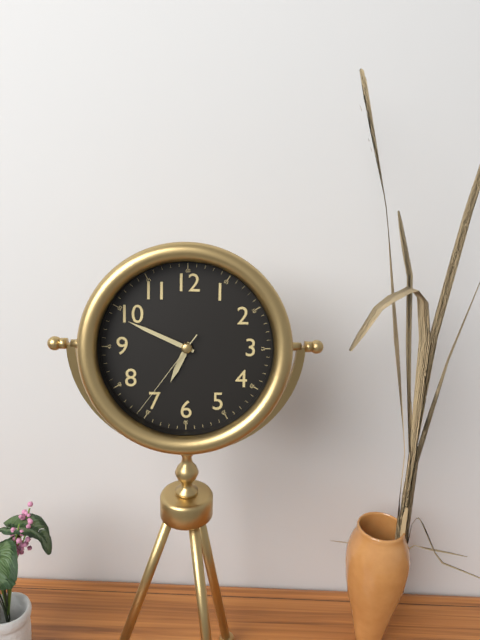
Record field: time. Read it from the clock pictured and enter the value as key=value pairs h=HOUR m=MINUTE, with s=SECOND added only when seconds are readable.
h=6 m=49 s=36
